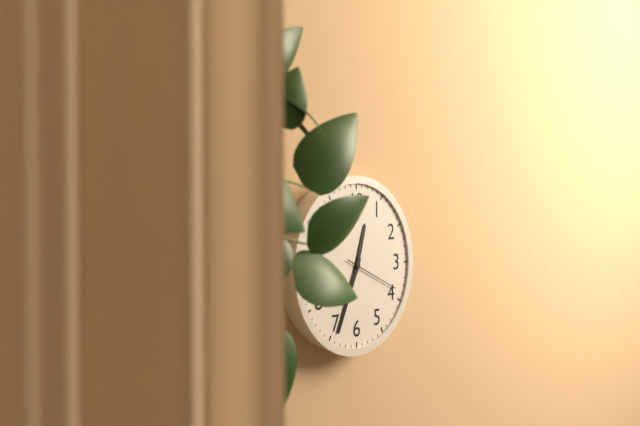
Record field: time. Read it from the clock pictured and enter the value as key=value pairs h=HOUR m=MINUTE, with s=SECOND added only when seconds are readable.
h=12 m=34 s=19
